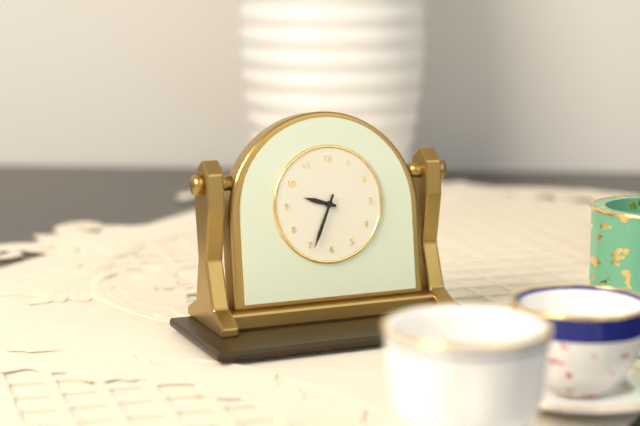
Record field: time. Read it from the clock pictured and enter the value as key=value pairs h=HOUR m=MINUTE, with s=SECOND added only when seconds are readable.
h=9 m=34
